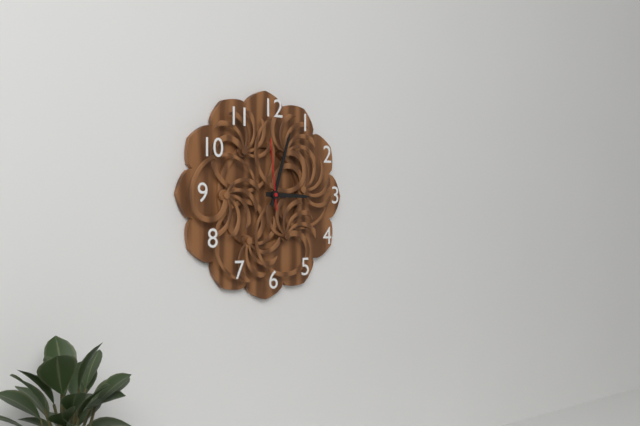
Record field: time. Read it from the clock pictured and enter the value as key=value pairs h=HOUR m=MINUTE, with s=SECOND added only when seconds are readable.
h=3 m=3 s=59
